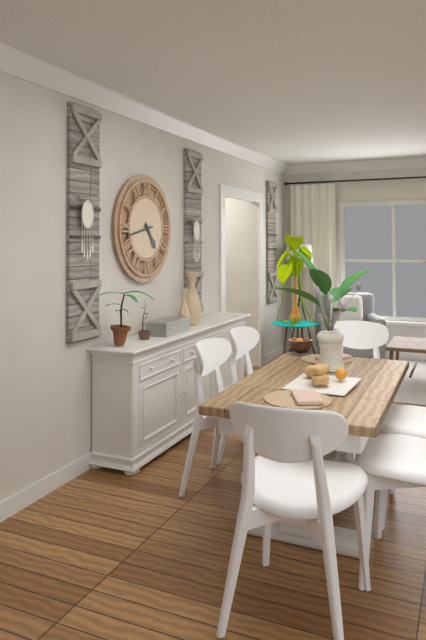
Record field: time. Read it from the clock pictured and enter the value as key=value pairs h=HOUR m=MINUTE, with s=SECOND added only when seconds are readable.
h=4 m=43
